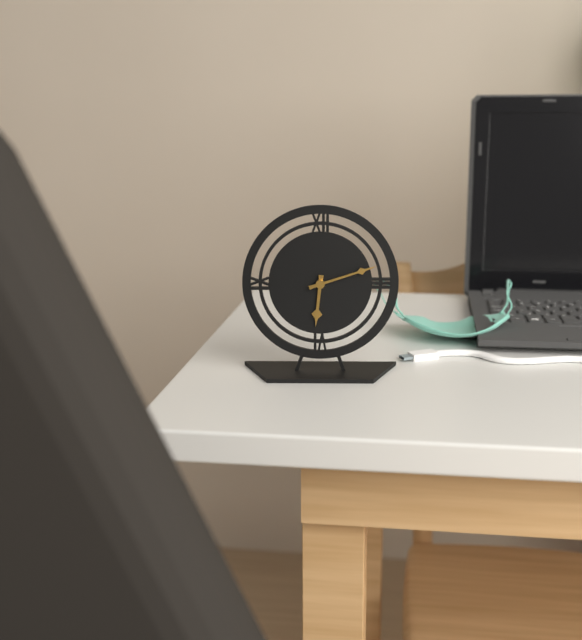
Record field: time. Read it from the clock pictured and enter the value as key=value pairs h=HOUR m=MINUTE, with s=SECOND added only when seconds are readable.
h=6 m=12
